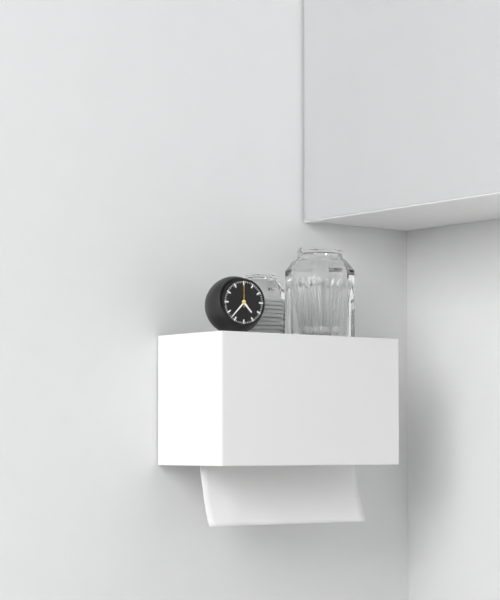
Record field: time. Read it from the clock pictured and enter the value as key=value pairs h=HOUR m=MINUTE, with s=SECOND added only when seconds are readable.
h=4 m=37
